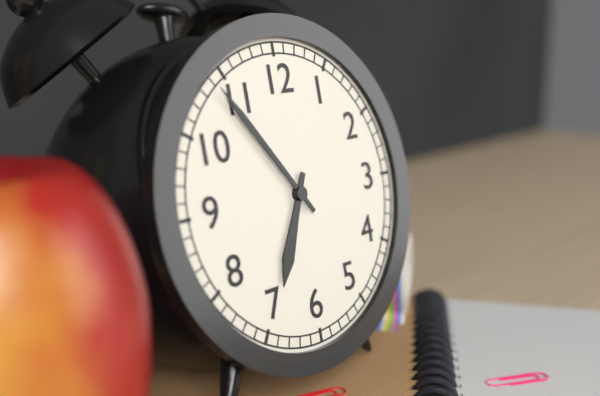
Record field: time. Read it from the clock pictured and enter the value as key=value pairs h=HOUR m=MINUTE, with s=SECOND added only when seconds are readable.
h=6 m=54
